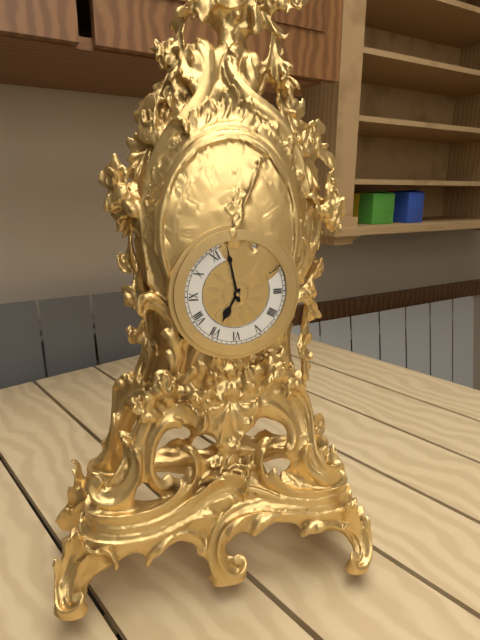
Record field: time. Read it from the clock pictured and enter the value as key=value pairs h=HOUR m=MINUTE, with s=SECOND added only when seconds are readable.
h=6 m=58
